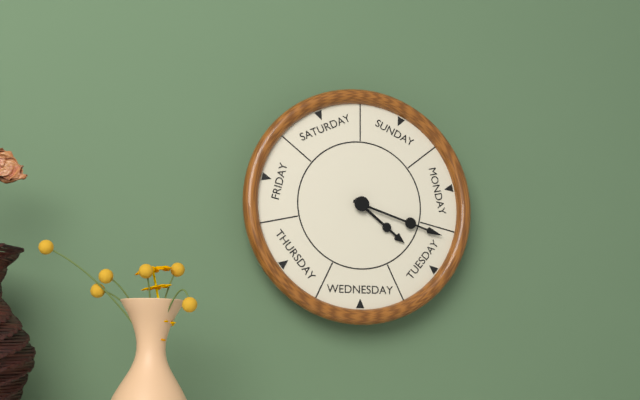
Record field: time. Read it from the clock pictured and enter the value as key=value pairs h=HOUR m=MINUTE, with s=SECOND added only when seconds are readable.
h=4 m=18
